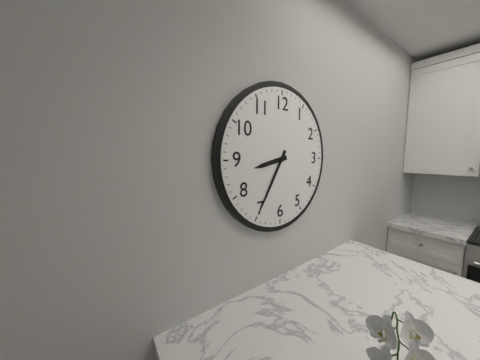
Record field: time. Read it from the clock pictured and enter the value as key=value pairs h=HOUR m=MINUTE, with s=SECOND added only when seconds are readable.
h=8 m=35
